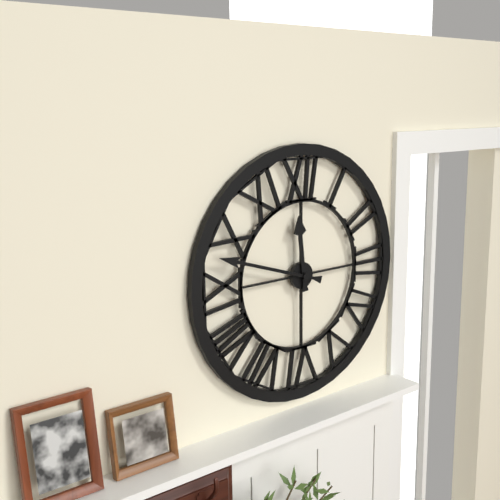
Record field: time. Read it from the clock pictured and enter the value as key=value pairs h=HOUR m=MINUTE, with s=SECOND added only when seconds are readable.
h=11 m=48
